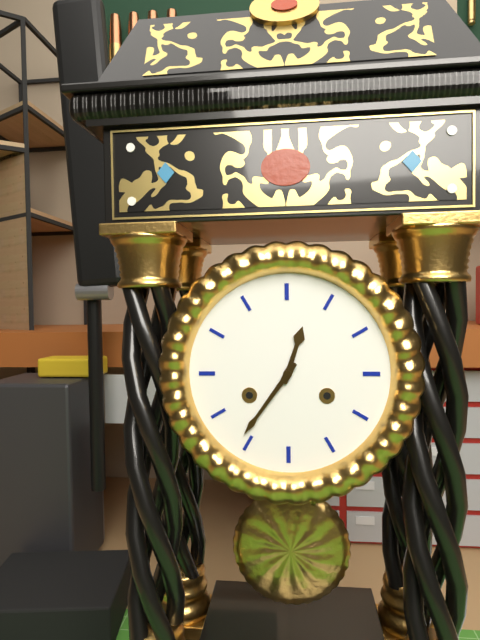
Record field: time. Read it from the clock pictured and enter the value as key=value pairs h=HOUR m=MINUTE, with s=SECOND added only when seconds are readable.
h=12 m=36
